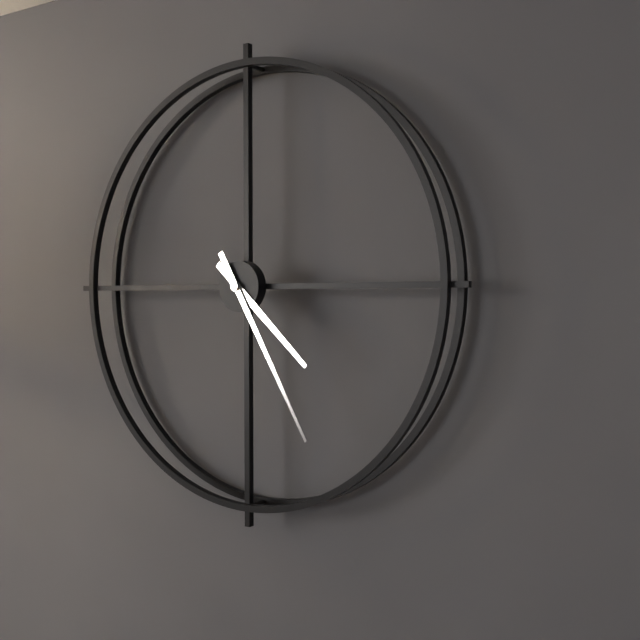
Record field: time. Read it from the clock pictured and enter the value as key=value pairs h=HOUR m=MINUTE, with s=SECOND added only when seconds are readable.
h=4 m=25
